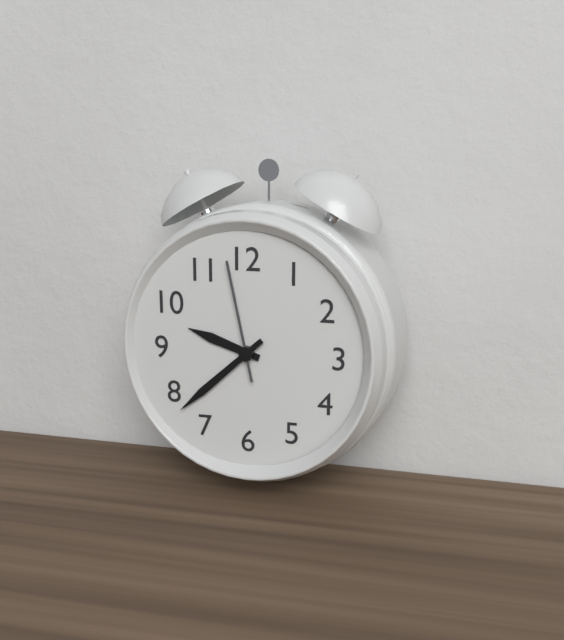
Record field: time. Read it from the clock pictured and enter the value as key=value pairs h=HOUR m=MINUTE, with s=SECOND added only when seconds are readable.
h=9 m=38 s=58
